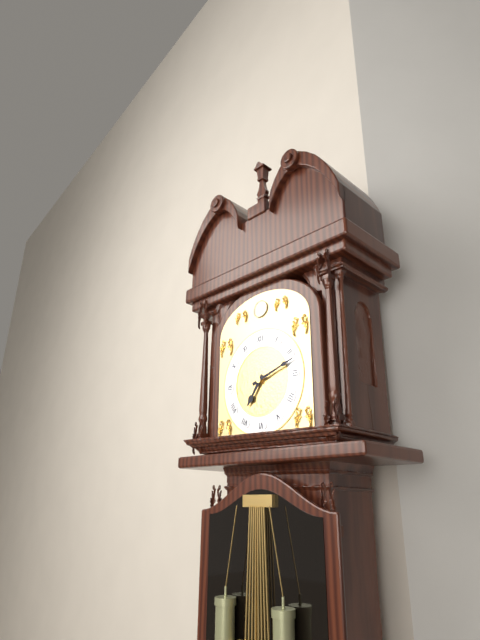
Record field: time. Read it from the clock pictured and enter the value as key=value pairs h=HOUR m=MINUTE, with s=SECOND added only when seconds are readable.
h=7 m=12
